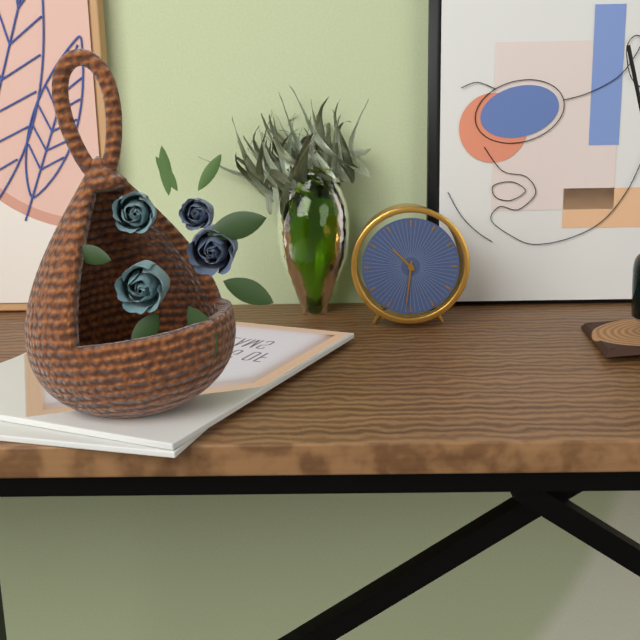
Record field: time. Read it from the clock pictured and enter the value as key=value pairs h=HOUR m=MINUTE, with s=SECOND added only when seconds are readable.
h=10 m=31
